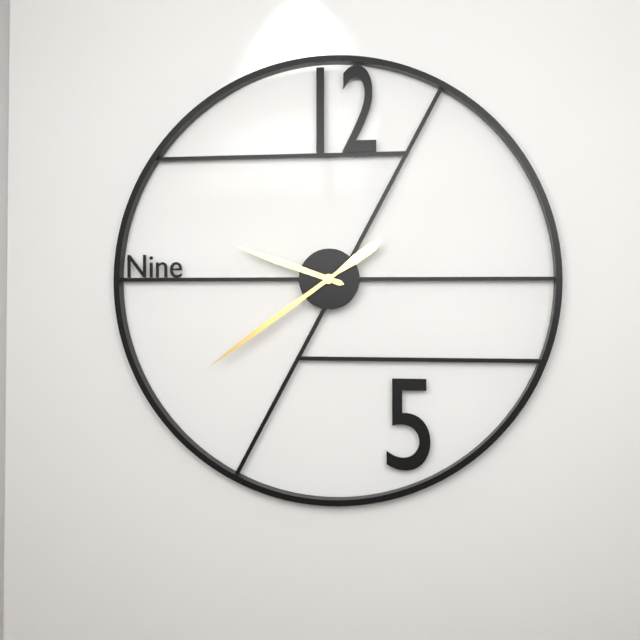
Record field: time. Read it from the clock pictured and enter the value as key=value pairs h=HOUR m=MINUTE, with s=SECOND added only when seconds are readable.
h=9 m=39
